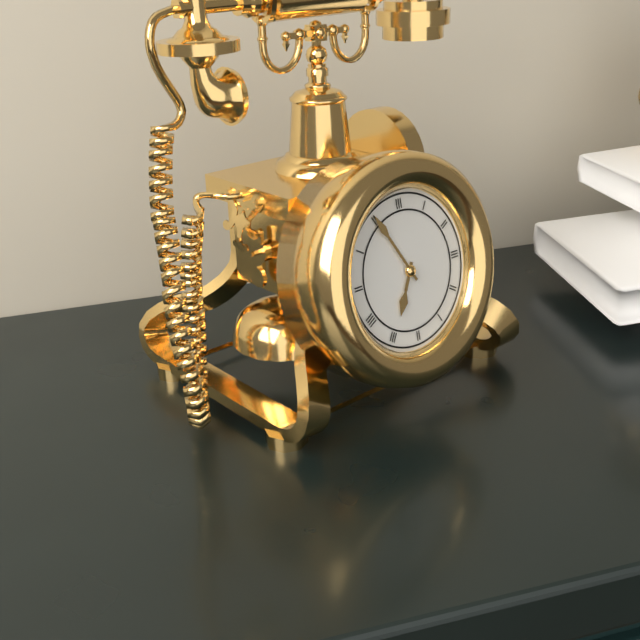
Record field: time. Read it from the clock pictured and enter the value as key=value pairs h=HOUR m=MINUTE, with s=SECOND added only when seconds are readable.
h=6 m=55
